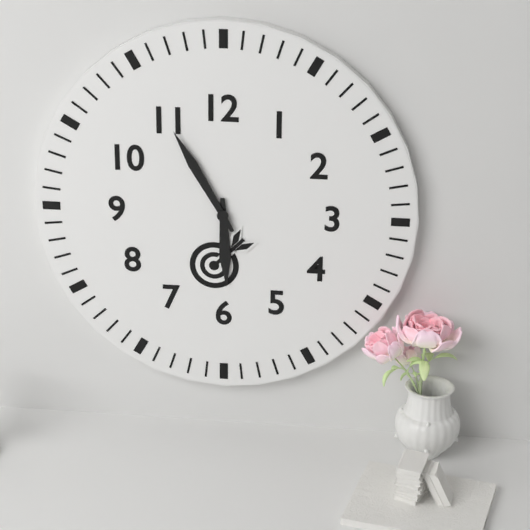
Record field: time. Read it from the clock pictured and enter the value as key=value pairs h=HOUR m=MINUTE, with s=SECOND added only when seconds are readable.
h=5 m=55
